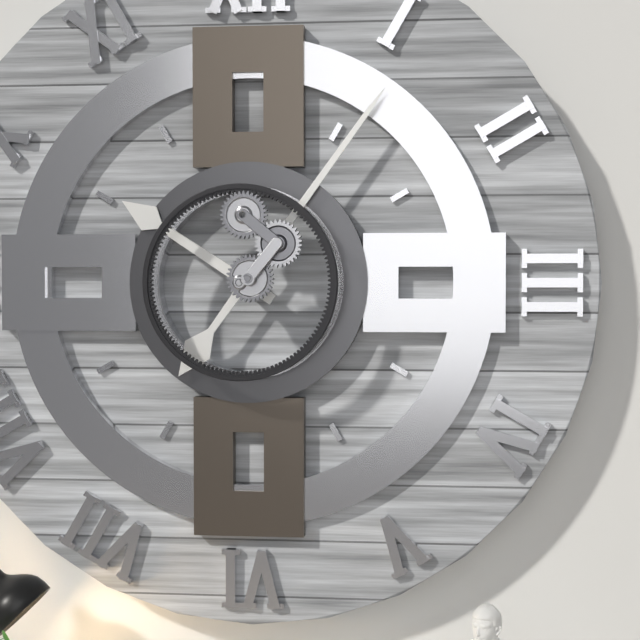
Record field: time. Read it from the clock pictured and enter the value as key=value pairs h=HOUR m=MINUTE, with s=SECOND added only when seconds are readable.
h=10 m=6
